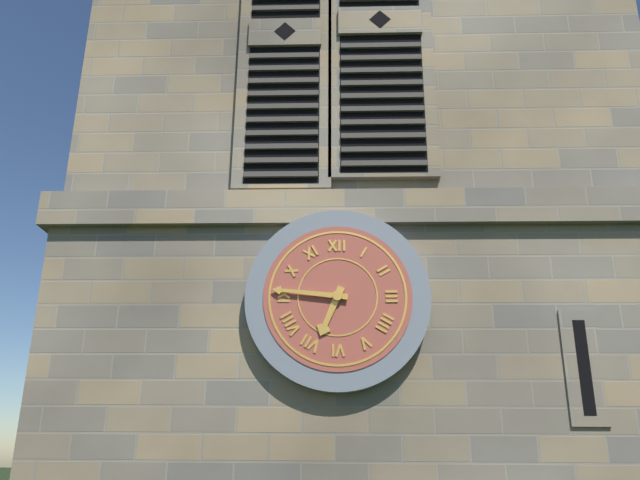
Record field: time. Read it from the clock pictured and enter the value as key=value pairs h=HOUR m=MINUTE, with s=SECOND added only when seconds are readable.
h=6 m=46
